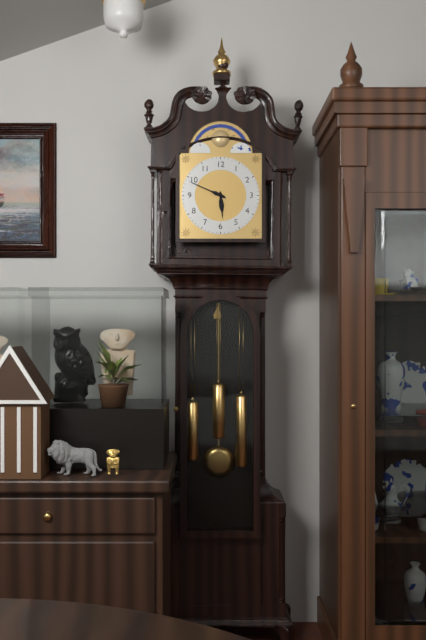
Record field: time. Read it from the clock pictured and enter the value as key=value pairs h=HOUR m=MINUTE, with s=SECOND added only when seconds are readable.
h=5 m=49
